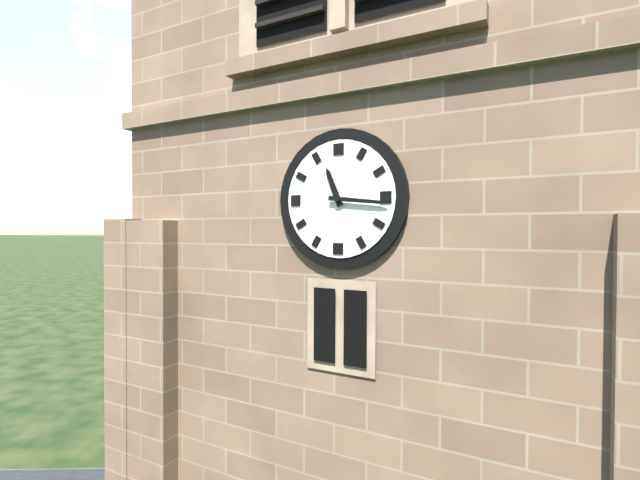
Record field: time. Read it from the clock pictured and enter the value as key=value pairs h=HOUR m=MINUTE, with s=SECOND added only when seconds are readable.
h=11 m=16
